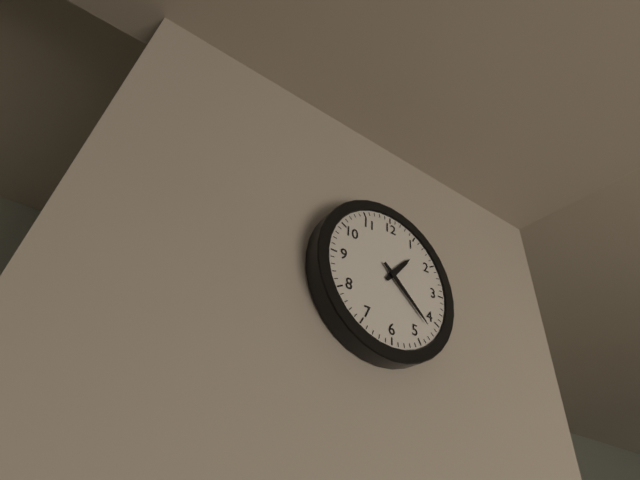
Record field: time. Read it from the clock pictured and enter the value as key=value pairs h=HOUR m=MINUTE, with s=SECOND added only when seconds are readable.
h=1 m=22
